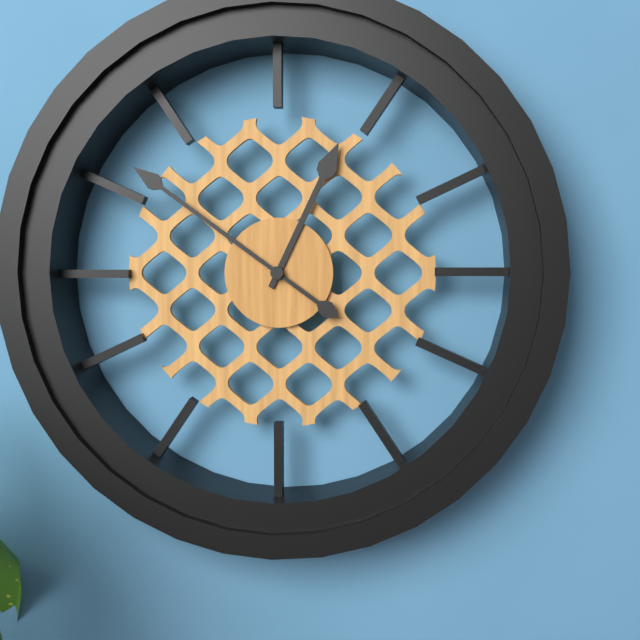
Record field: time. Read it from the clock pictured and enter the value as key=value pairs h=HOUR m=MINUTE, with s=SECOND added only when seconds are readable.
h=12 m=51
